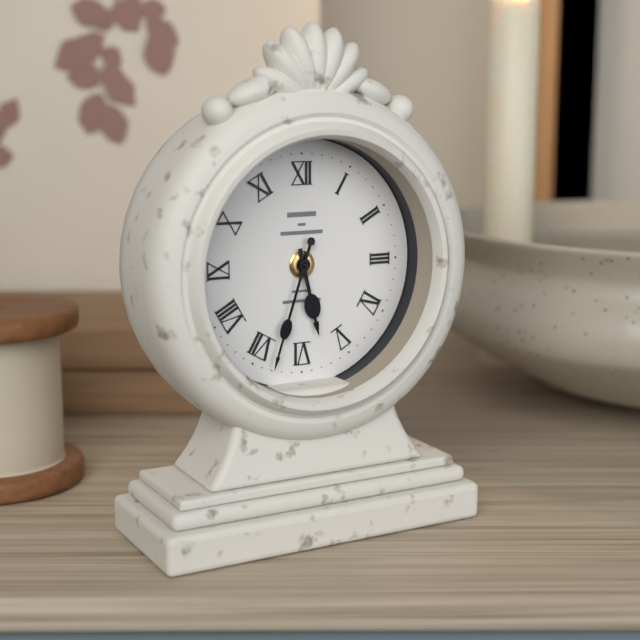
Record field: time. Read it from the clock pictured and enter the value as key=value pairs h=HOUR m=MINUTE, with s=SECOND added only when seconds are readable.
h=5 m=33
